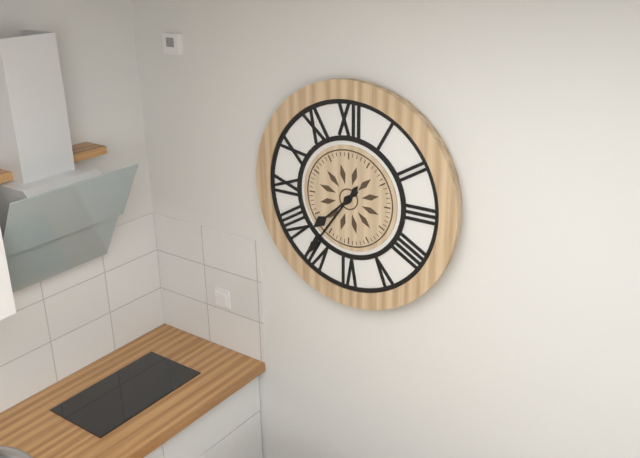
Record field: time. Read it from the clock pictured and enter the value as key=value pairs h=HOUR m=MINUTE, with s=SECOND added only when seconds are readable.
h=7 m=36
